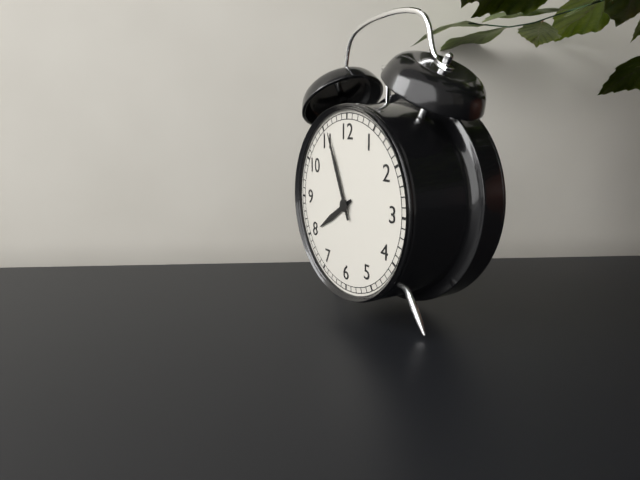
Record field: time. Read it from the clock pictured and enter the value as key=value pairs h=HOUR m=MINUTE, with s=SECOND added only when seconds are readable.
h=7 m=56
